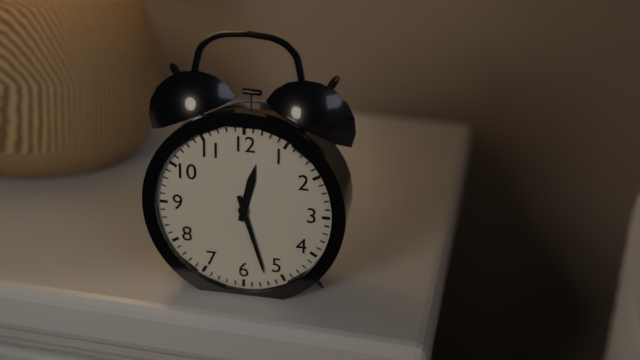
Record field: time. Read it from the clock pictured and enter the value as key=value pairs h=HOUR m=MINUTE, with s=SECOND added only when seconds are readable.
h=12 m=27
